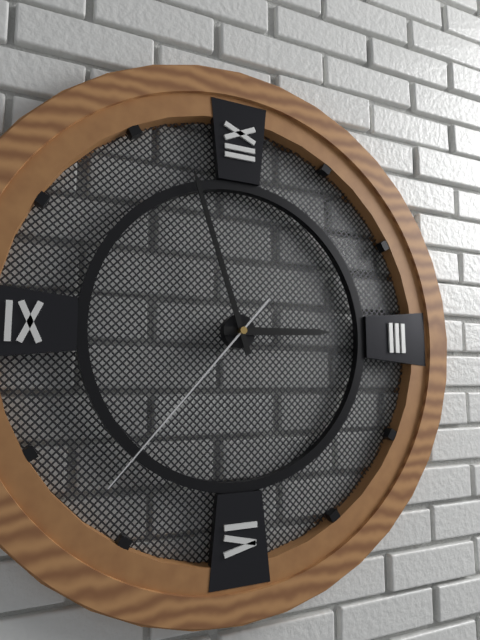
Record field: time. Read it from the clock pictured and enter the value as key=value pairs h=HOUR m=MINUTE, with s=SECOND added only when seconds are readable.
h=2 m=57 s=37
